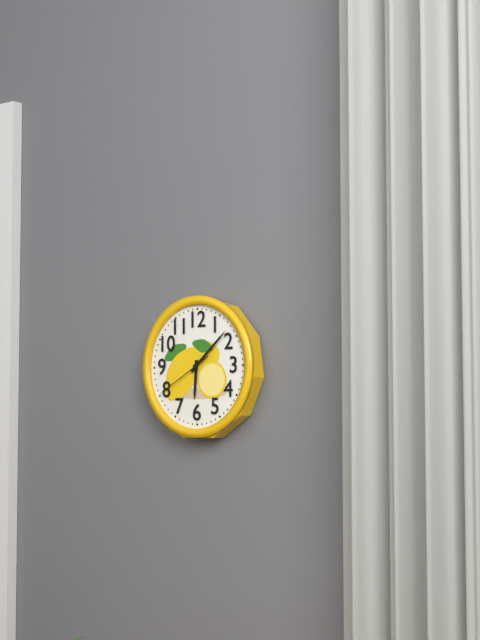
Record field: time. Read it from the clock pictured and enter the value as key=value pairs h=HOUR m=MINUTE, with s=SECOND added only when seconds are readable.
h=6 m=8 s=40
